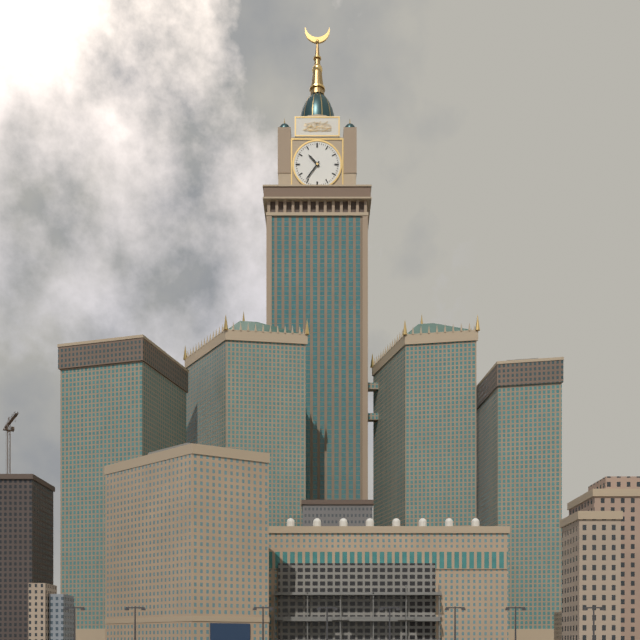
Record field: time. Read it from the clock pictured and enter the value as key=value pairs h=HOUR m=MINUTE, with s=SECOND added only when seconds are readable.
h=10 m=36
